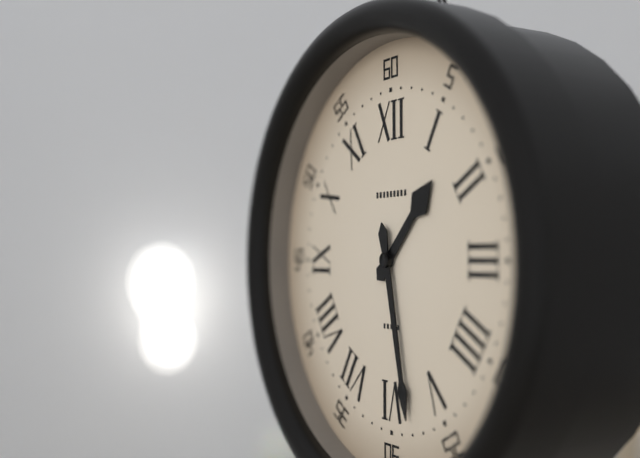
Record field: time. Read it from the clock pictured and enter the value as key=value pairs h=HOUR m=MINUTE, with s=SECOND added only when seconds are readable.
h=1 m=28
